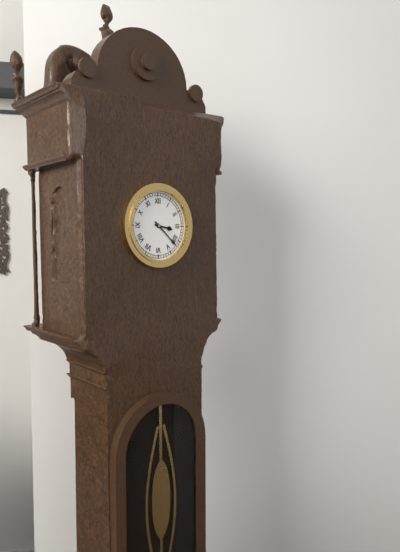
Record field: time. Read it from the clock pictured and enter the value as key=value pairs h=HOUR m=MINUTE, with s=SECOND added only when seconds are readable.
h=3 m=22
